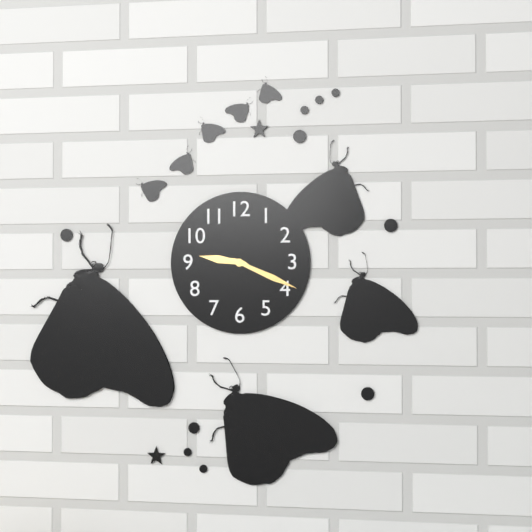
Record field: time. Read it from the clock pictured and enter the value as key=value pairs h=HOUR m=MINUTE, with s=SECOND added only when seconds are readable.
h=9 m=19
